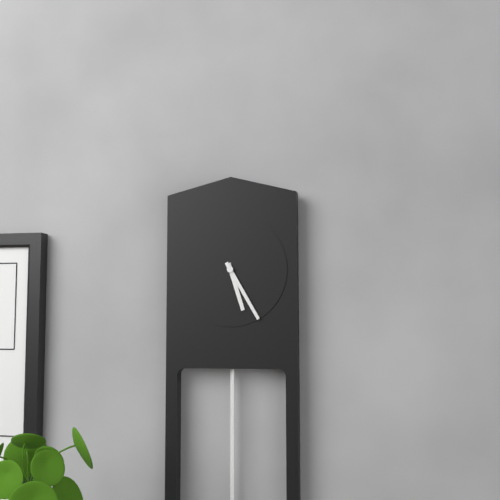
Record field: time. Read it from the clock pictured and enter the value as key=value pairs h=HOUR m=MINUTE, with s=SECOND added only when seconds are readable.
h=5 m=25
